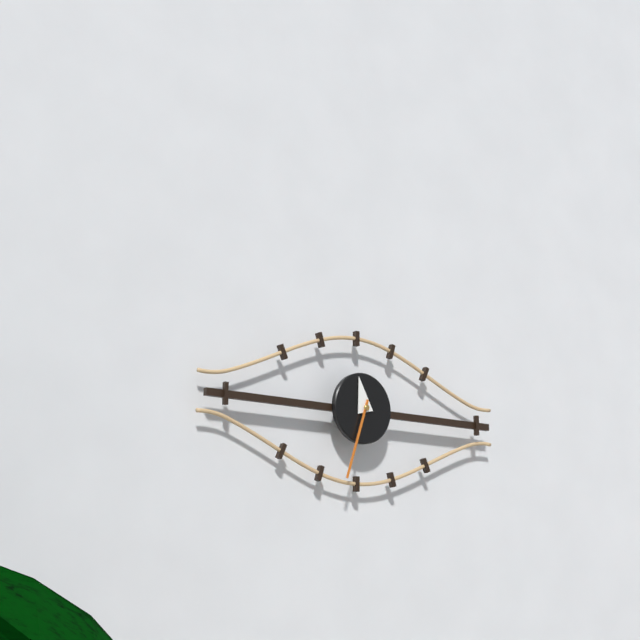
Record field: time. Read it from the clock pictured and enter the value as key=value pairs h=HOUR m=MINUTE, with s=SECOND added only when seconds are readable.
h=11 m=33
